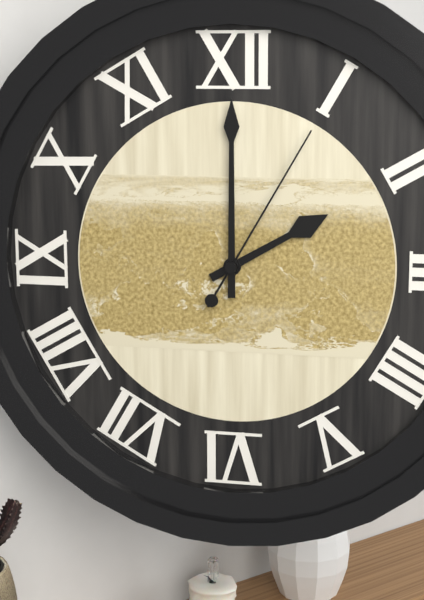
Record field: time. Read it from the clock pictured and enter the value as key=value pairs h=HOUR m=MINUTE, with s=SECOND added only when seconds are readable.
h=2 m=0 s=5
